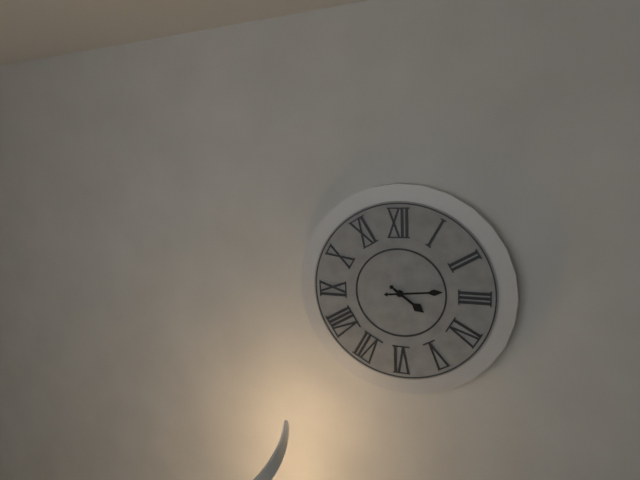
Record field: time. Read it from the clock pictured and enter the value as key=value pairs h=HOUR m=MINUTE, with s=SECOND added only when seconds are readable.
h=4 m=14
